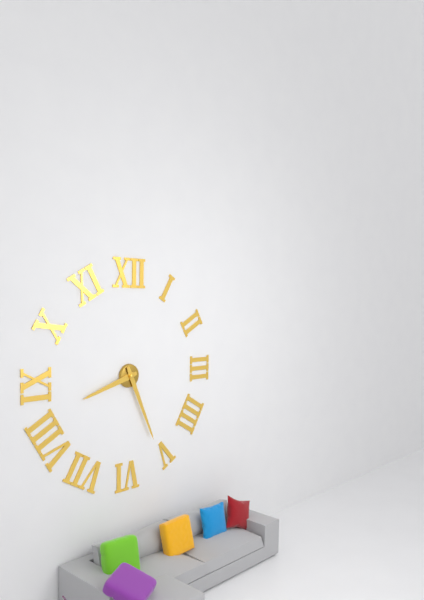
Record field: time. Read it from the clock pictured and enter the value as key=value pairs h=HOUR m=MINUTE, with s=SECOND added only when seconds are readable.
h=8 m=26
